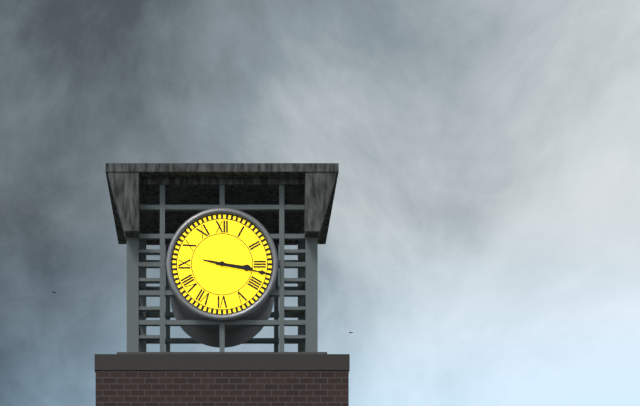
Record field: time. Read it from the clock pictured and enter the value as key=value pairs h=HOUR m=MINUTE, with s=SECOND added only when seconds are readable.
h=3 m=17
